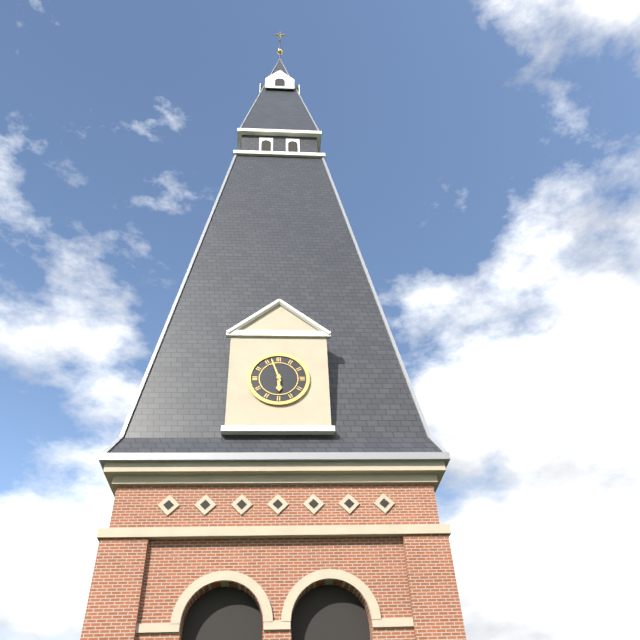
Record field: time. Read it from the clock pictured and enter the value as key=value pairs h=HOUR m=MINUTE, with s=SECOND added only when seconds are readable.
h=5 m=57
